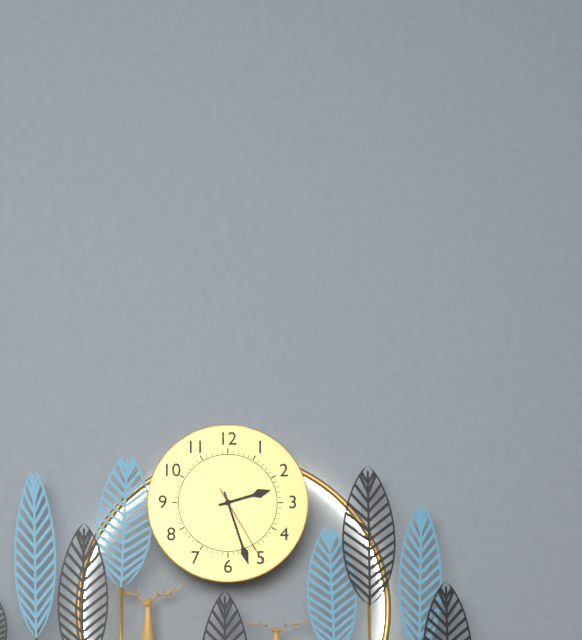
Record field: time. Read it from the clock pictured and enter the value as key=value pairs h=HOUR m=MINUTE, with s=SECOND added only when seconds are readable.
h=2 m=27 s=25
